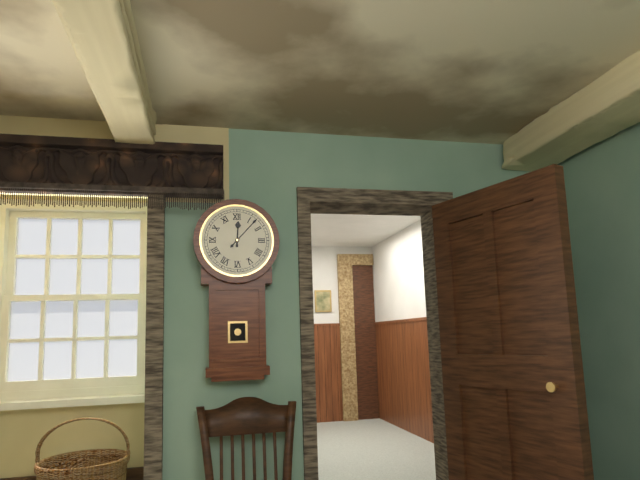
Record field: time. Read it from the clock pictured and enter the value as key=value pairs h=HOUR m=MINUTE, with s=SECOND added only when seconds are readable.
h=12 m=7
